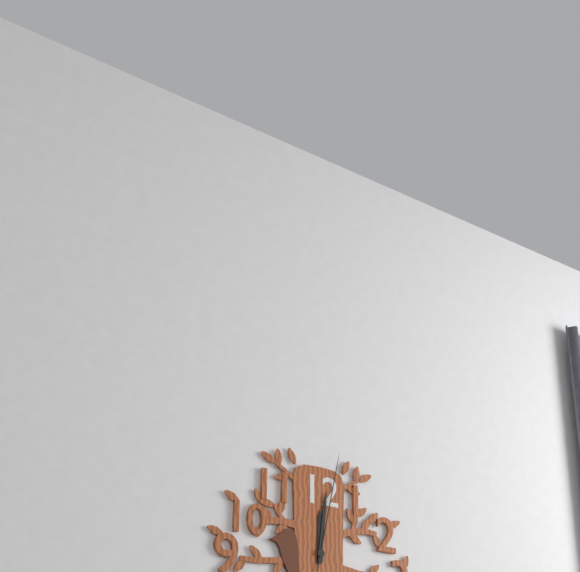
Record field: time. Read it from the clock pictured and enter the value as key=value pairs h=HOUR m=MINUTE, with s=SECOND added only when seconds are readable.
h=12 m=1 s=2
